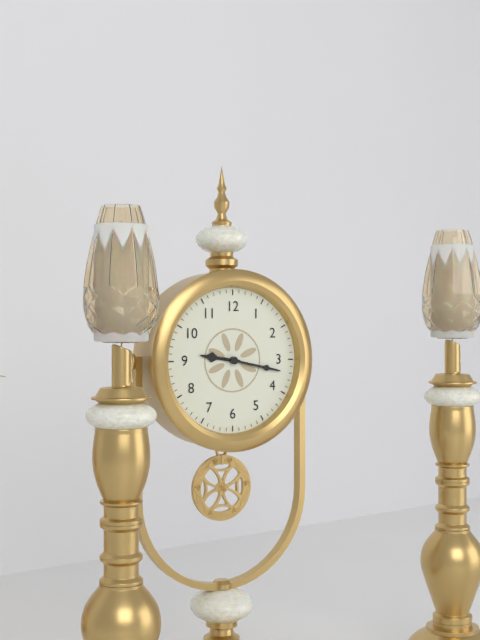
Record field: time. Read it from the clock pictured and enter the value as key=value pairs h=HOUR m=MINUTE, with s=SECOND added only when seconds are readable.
h=9 m=17
